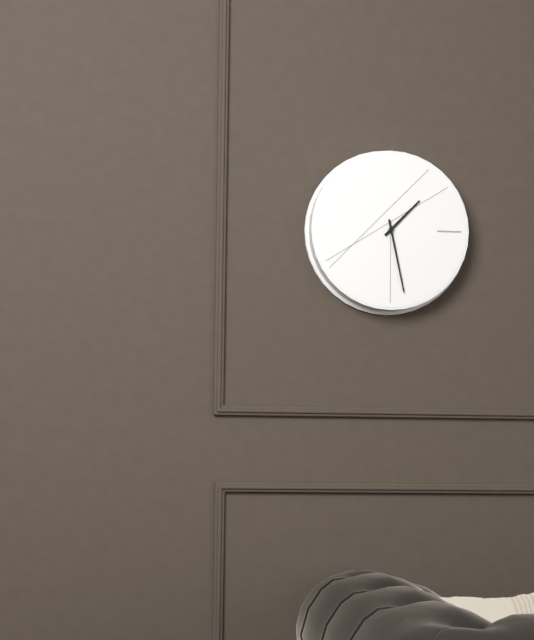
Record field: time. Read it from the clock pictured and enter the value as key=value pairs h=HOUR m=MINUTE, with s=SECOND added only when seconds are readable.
h=1 m=28
